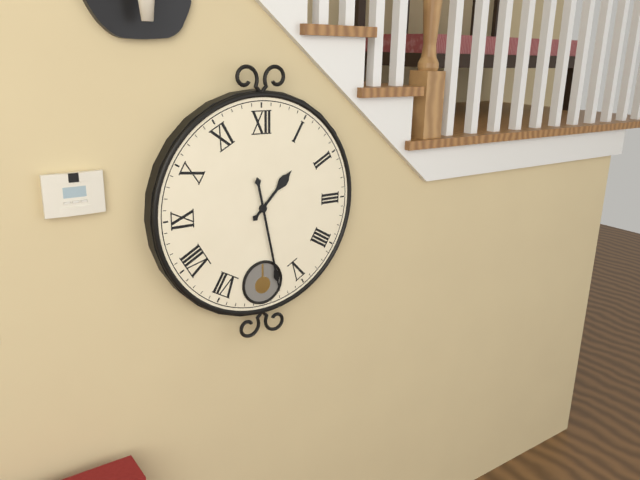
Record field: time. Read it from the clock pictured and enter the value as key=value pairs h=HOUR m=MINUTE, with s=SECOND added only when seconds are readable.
h=1 m=28
